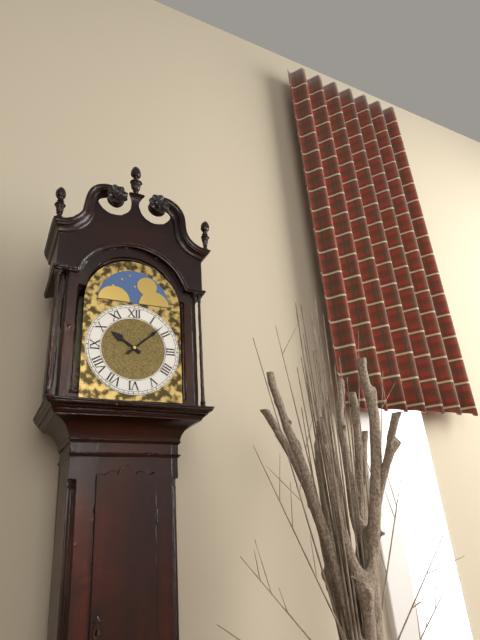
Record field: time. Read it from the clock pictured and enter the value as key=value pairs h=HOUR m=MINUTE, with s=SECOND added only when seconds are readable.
h=10 m=8
